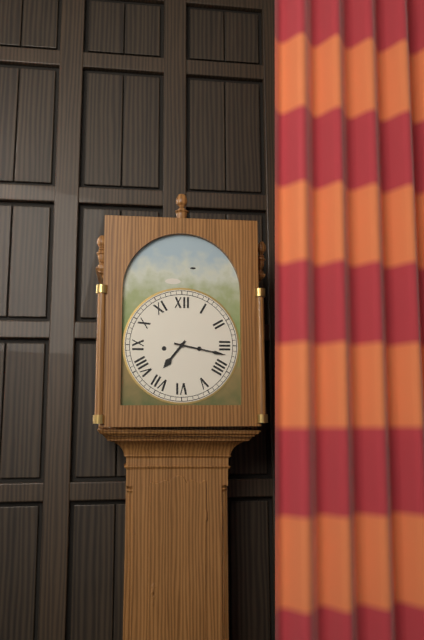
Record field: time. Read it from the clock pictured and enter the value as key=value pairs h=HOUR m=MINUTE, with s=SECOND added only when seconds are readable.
h=7 m=17
